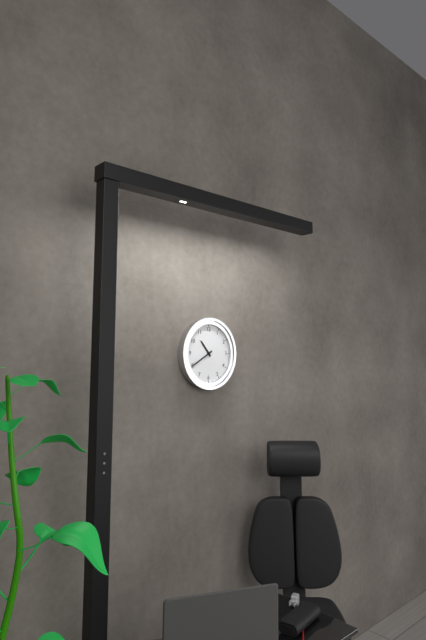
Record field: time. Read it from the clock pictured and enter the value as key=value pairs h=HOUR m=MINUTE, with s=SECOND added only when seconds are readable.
h=10 m=40
